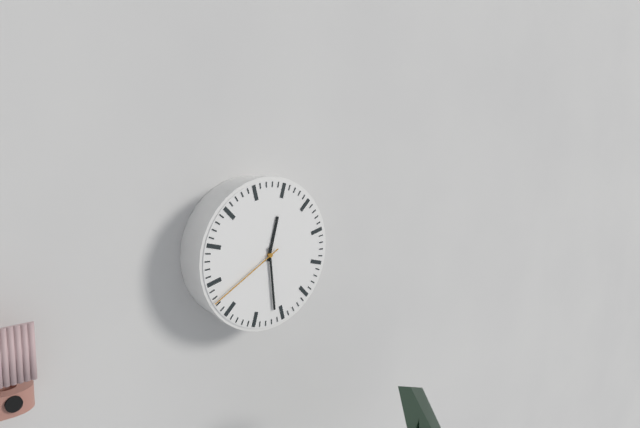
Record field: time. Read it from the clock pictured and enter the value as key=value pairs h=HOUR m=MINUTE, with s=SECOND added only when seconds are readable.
h=12 m=29 s=40
